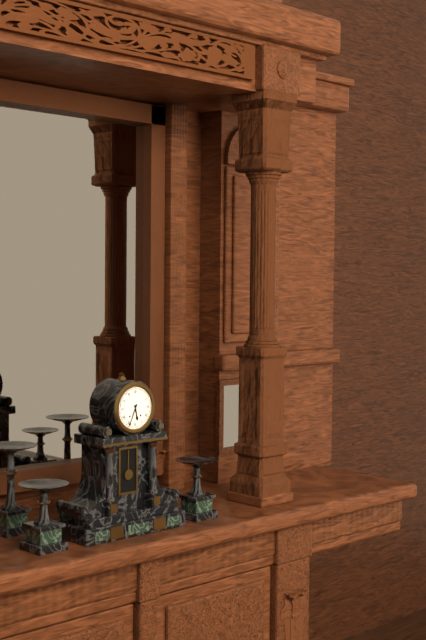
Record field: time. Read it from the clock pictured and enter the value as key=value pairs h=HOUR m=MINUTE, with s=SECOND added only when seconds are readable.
h=5 m=34
